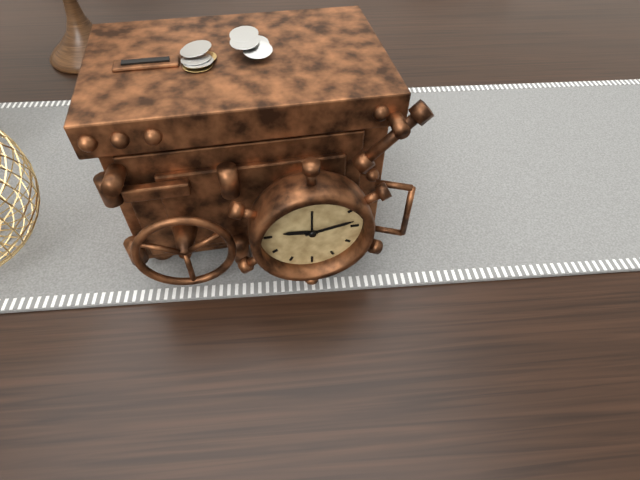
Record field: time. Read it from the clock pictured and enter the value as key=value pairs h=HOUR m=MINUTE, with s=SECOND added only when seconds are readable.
h=9 m=13
